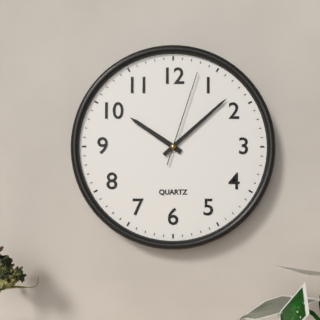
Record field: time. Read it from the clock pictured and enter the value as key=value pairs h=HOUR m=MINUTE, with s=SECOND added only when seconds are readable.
h=10 m=8 s=3
